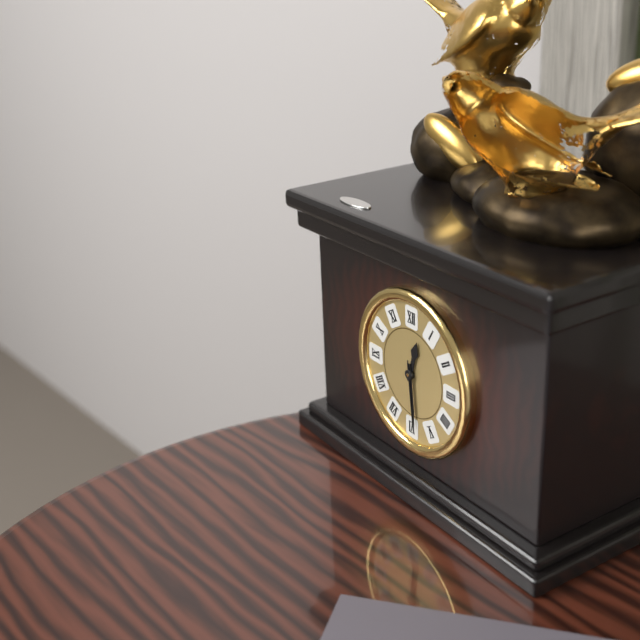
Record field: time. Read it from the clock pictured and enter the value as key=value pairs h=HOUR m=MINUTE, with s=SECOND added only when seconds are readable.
h=12 m=29 s=29
